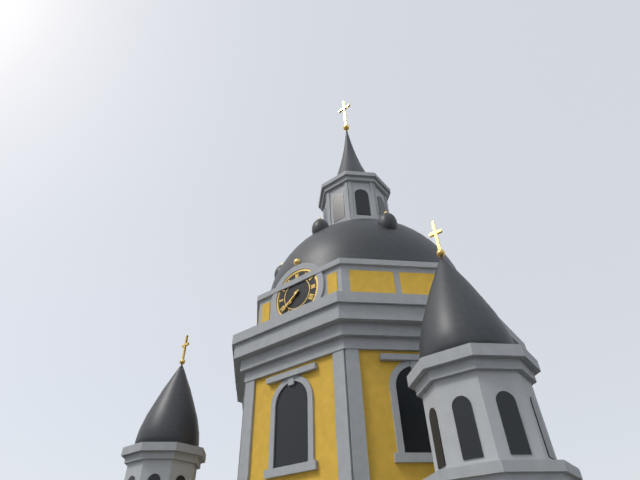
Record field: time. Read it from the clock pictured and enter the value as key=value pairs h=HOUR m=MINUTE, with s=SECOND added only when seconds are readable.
h=7 m=39
